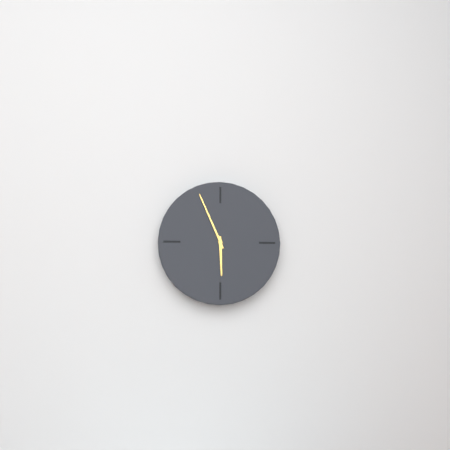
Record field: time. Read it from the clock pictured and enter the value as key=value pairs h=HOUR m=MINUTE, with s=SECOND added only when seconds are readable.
h=5 m=56
